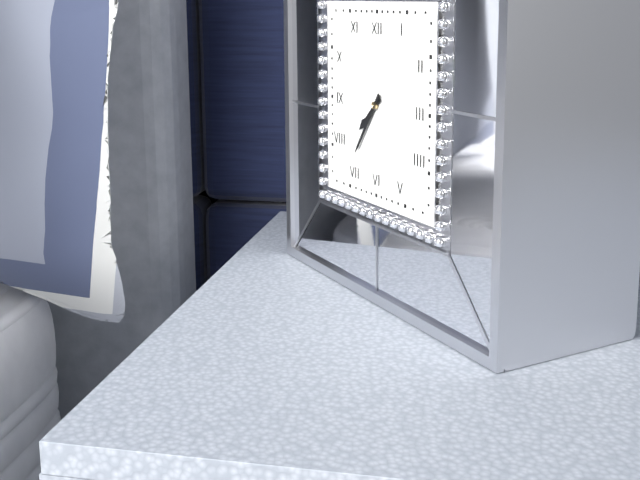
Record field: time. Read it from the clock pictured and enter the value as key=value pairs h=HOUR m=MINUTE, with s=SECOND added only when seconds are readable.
h=7 m=36
